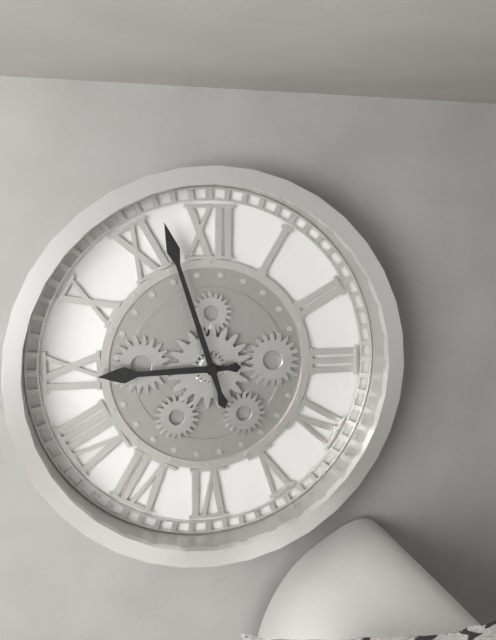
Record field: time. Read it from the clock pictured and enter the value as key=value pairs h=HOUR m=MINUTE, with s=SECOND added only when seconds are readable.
h=8 m=57
